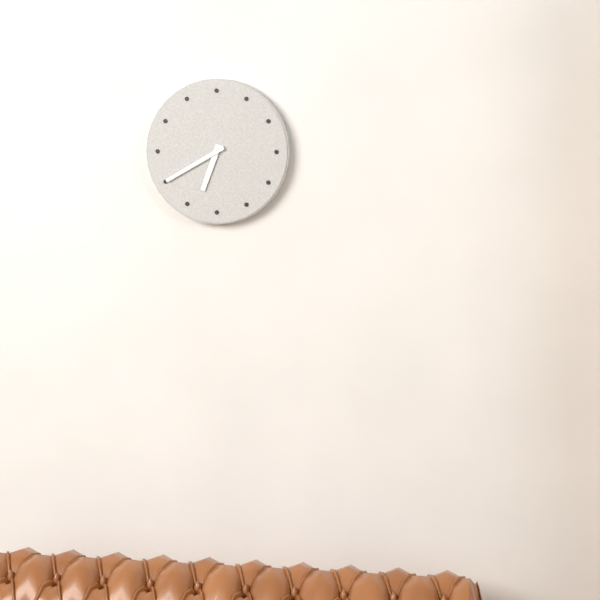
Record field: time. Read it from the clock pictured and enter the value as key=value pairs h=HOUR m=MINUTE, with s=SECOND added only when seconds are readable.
h=6 m=40
